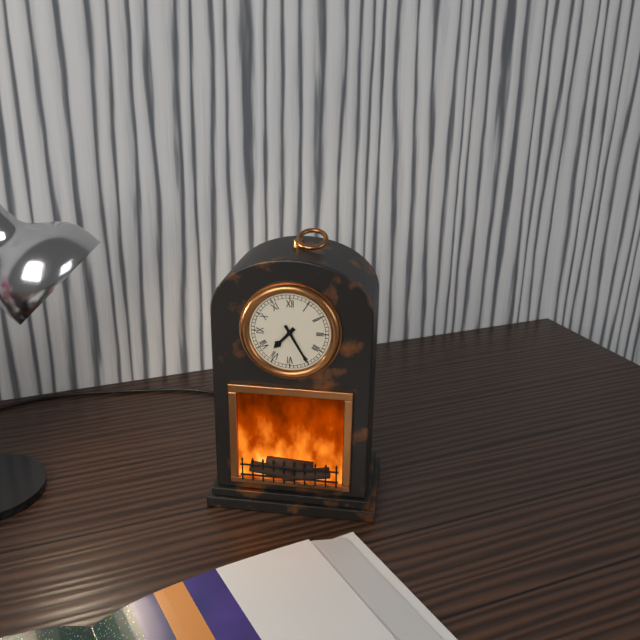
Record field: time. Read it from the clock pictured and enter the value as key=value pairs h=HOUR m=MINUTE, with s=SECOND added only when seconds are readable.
h=7 m=25
